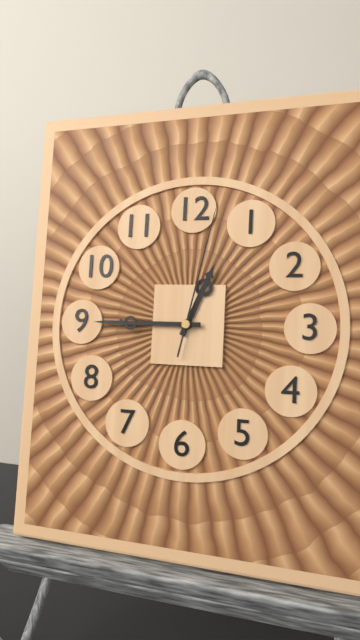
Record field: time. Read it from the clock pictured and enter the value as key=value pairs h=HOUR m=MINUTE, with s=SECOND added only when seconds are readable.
h=12 m=45 s=2
